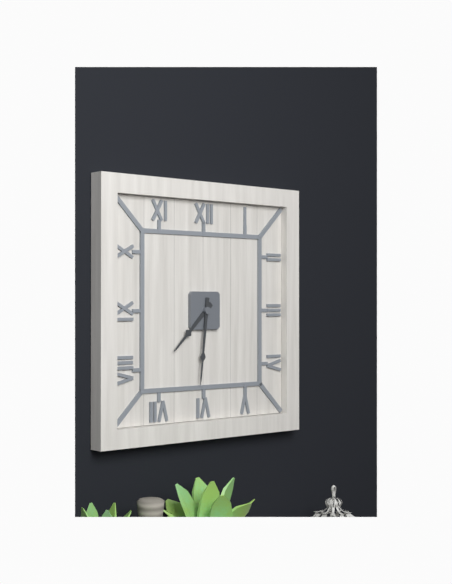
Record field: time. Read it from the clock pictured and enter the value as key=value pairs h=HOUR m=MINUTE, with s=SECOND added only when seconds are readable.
h=7 m=31
